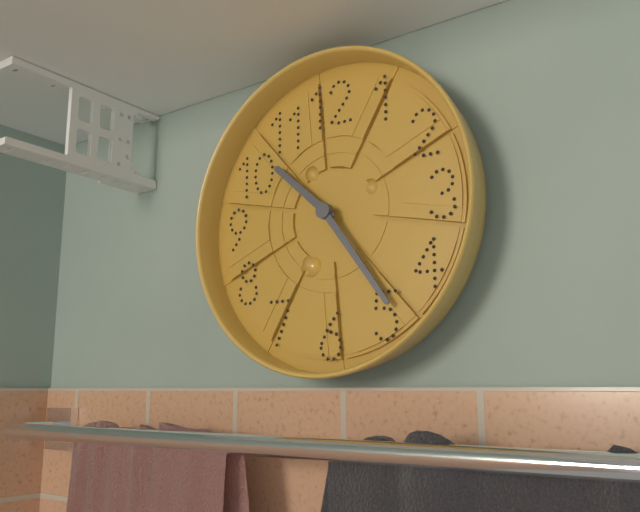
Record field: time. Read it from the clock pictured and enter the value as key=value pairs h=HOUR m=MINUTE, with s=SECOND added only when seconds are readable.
h=10 m=24
